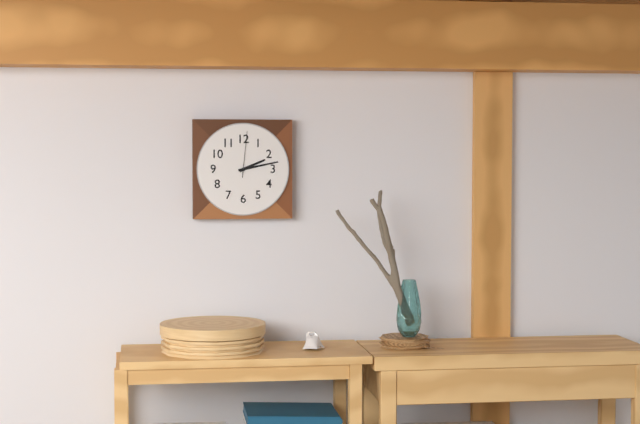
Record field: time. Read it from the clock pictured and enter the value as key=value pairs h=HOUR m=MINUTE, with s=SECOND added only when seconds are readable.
h=2 m=13
